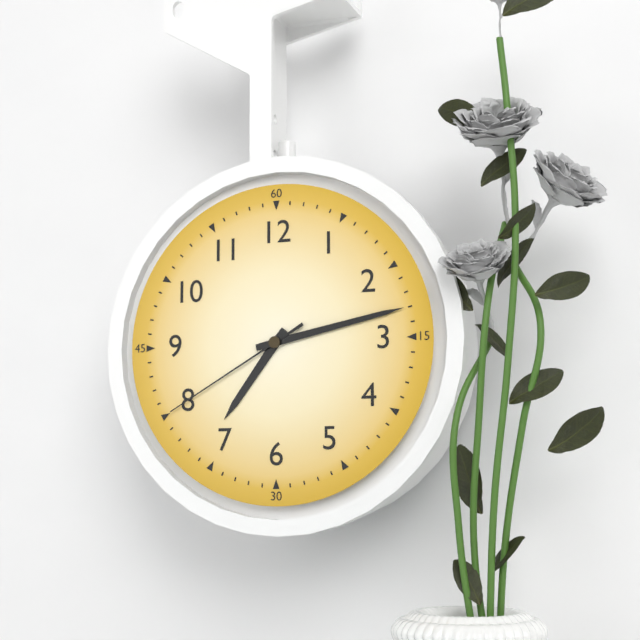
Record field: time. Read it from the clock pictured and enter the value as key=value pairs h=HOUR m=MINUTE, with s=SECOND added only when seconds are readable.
h=7 m=13 s=40
